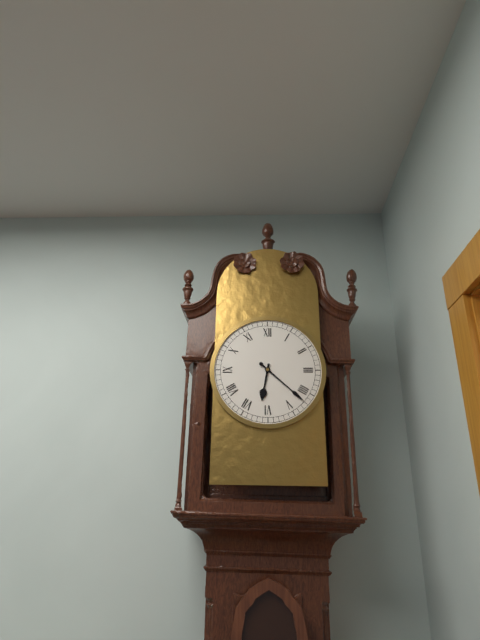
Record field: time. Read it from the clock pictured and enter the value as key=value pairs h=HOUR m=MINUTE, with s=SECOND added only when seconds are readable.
h=6 m=22
